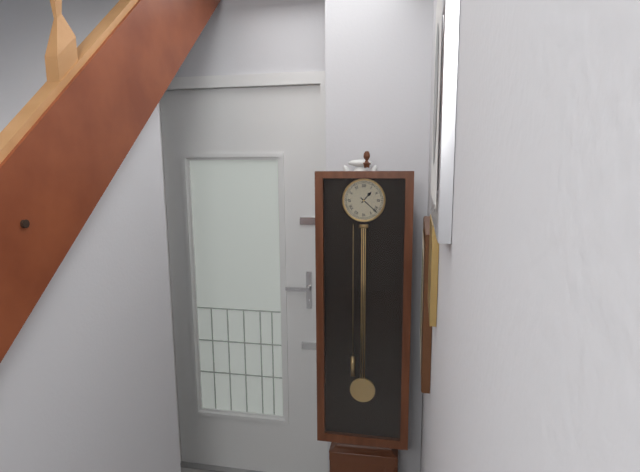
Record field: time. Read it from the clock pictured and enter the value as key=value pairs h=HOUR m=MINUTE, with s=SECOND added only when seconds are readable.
h=1 m=22
